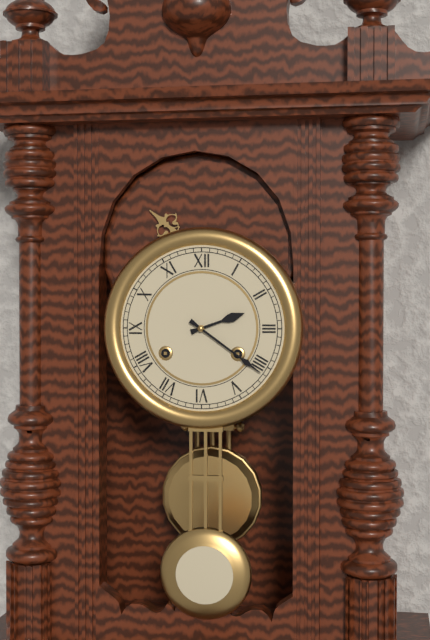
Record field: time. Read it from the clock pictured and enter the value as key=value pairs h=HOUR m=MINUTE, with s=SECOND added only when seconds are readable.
h=2 m=21
